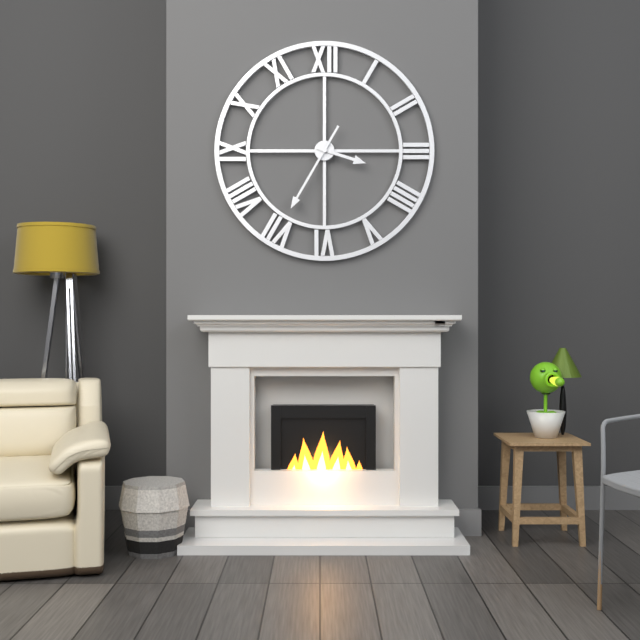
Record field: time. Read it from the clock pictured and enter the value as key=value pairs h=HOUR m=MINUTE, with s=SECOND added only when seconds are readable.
h=3 m=35
